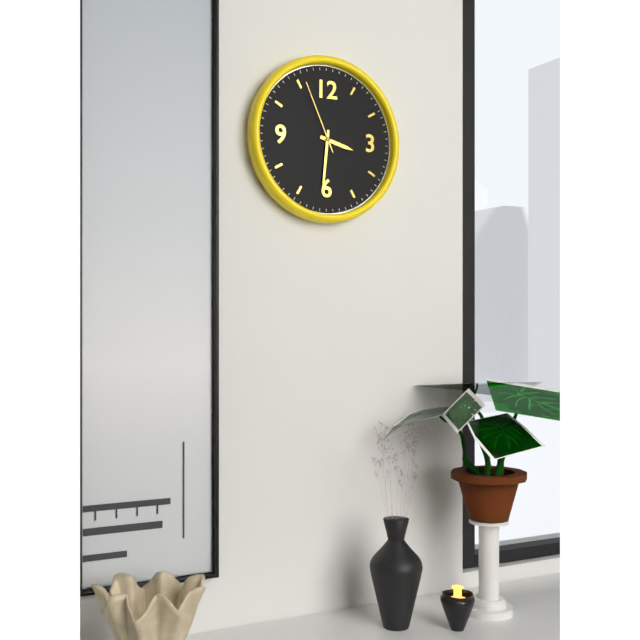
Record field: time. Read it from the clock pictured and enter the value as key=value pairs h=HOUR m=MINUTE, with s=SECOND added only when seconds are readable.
h=3 m=31 s=56
